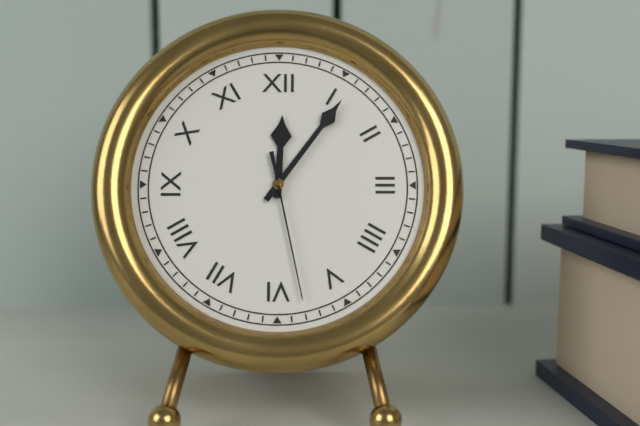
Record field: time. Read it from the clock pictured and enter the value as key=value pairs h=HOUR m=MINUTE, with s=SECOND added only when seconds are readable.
h=12 m=6 s=28
